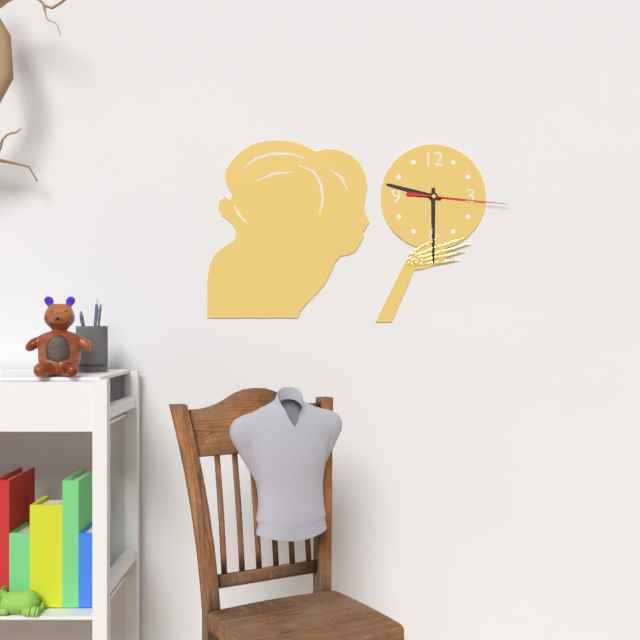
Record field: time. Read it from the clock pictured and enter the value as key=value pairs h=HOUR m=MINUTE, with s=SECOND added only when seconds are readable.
h=9 m=30 s=16
